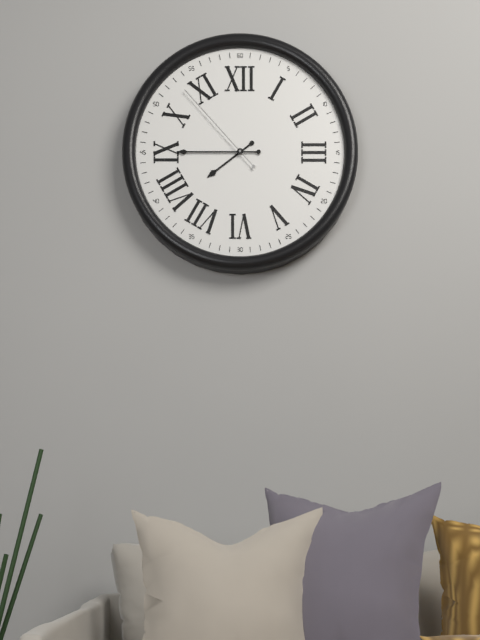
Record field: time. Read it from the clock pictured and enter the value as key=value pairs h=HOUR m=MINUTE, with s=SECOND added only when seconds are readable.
h=7 m=45 s=53
